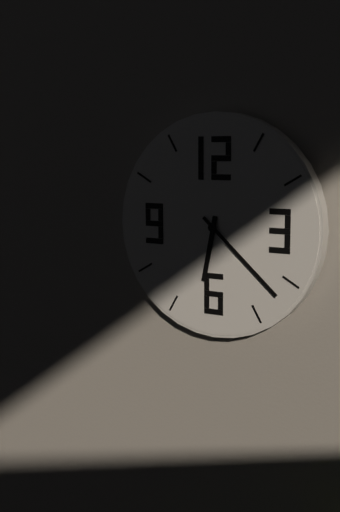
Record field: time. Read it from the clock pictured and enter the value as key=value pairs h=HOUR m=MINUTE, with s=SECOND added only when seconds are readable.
h=6 m=22
